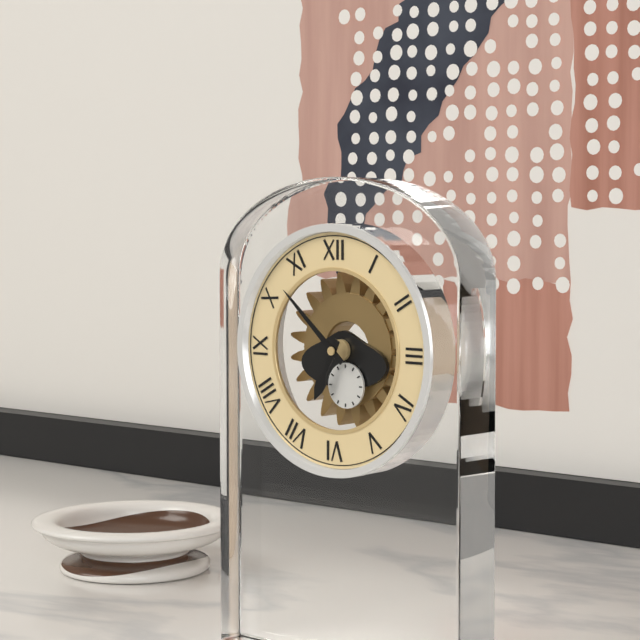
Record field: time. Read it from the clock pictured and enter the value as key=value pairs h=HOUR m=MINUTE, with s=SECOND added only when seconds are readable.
h=6 m=52
